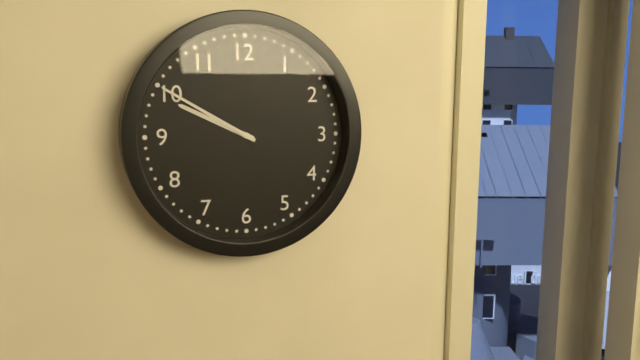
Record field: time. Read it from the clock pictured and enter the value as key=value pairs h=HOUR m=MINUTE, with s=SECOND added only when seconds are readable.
h=9 m=50
